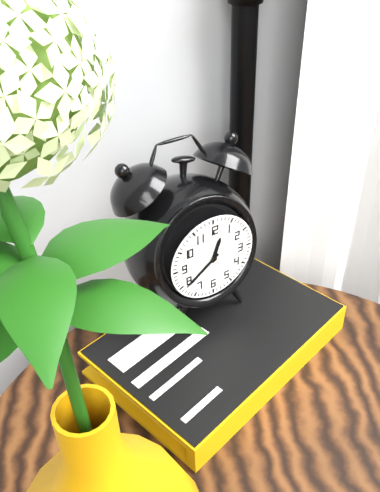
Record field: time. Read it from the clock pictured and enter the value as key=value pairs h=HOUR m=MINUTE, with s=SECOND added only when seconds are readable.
h=12 m=39
